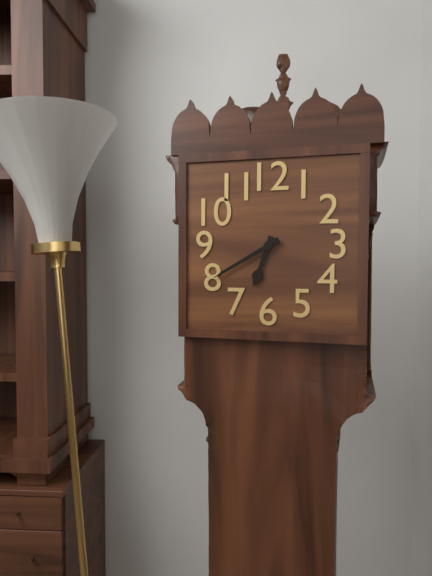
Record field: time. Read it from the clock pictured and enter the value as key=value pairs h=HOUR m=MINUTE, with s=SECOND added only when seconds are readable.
h=6 m=40
